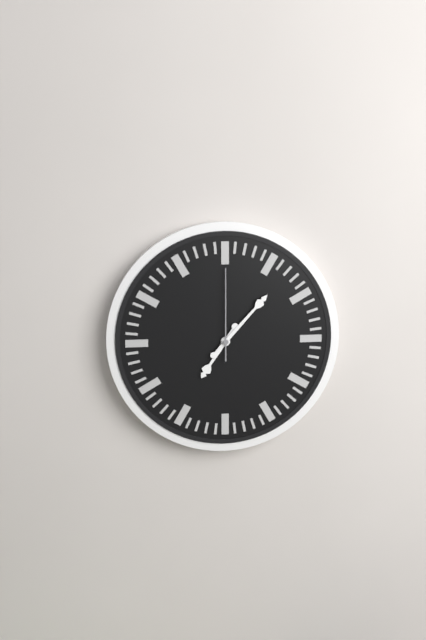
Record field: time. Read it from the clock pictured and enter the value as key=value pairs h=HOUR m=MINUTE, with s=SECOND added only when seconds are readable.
h=7 m=7 s=0
